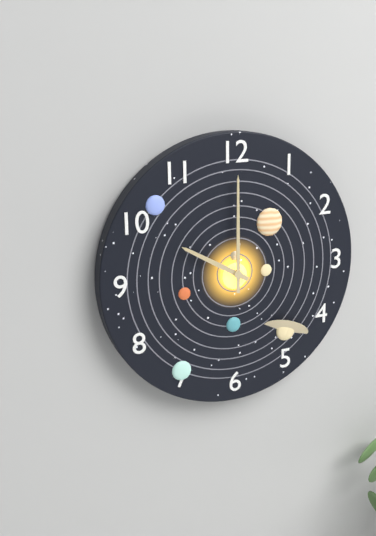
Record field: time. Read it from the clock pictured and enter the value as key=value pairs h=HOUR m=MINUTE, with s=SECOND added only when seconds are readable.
h=10 m=0
